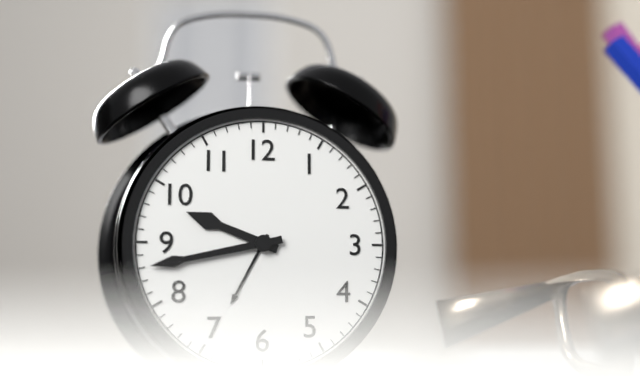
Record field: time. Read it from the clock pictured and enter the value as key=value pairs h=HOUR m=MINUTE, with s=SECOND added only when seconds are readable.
h=9 m=43
